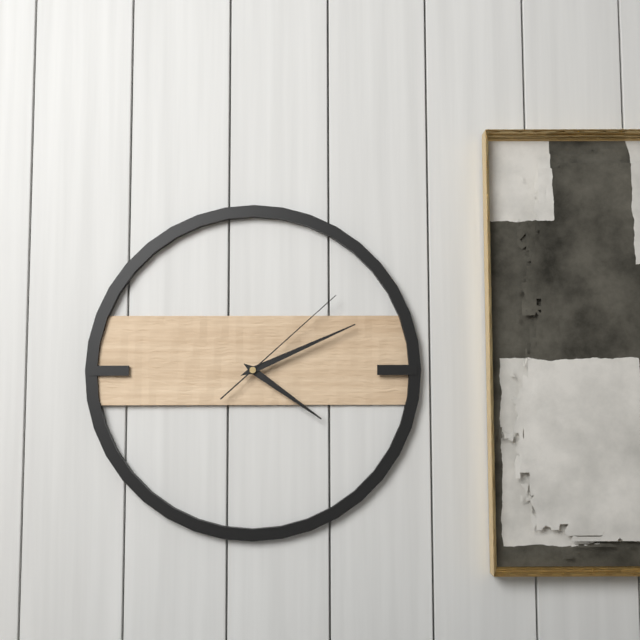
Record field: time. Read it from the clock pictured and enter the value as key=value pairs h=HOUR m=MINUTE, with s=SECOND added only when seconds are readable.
h=4 m=11 s=8
